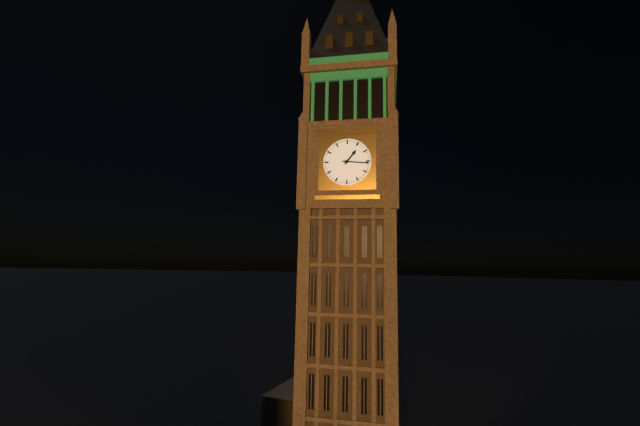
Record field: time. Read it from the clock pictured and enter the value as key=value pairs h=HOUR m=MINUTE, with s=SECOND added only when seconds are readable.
h=1 m=16
